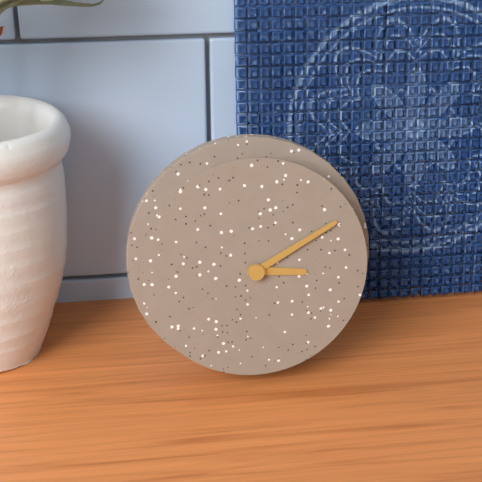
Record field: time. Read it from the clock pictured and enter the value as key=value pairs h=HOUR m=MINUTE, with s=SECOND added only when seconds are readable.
h=3 m=10
